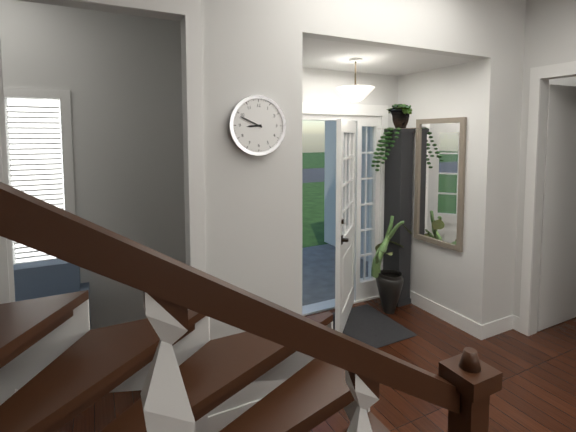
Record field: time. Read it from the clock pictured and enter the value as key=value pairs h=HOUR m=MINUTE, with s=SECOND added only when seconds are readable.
h=8 m=49
